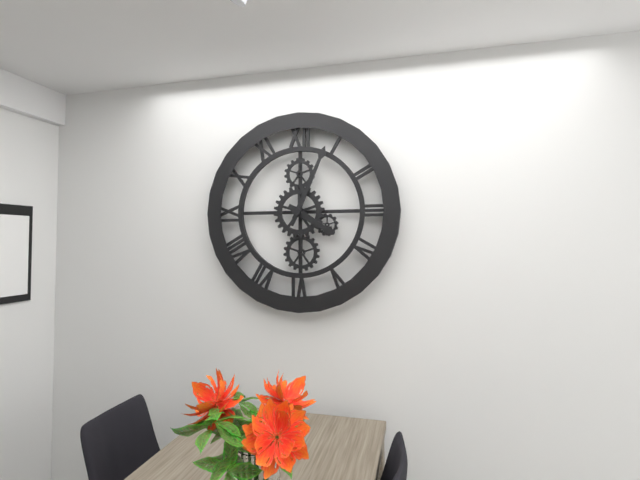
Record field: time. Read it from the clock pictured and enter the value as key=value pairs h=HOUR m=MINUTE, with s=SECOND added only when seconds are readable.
h=4 m=4
